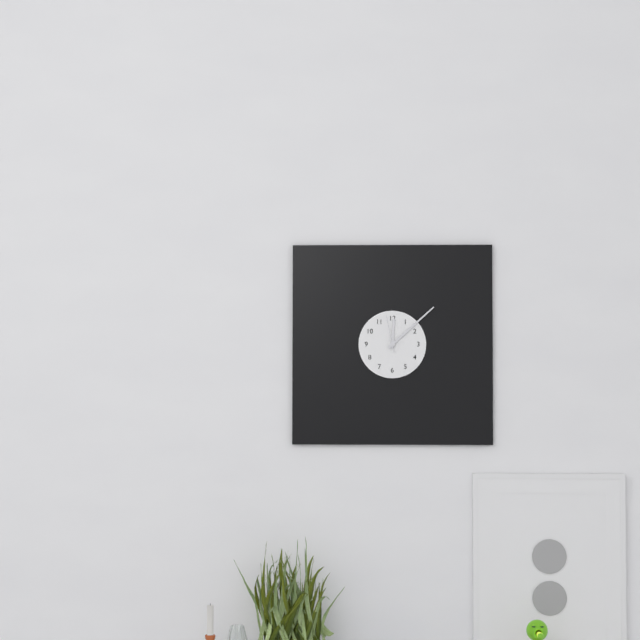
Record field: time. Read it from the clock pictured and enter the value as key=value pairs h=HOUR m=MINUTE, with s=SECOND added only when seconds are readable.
h=12 m=8
